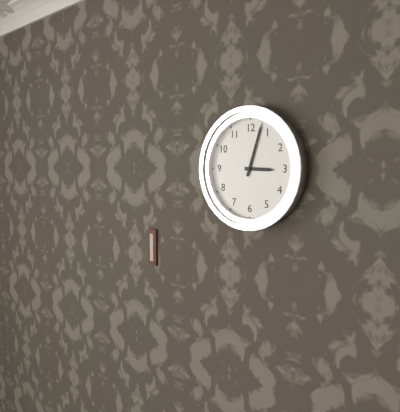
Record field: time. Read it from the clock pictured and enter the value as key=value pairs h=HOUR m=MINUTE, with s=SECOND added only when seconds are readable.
h=3 m=3
